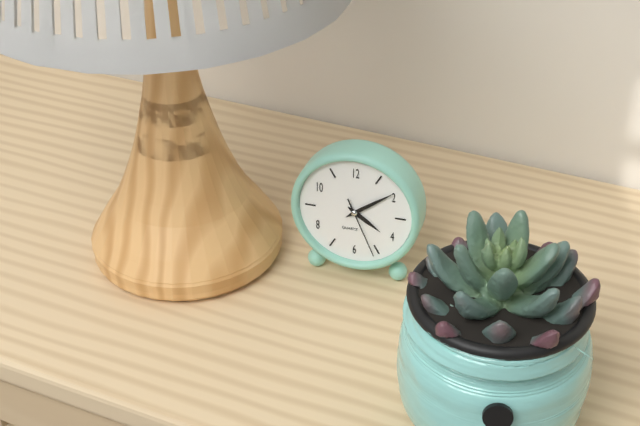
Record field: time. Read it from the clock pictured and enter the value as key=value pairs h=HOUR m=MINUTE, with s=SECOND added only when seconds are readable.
h=4 m=9 s=26
